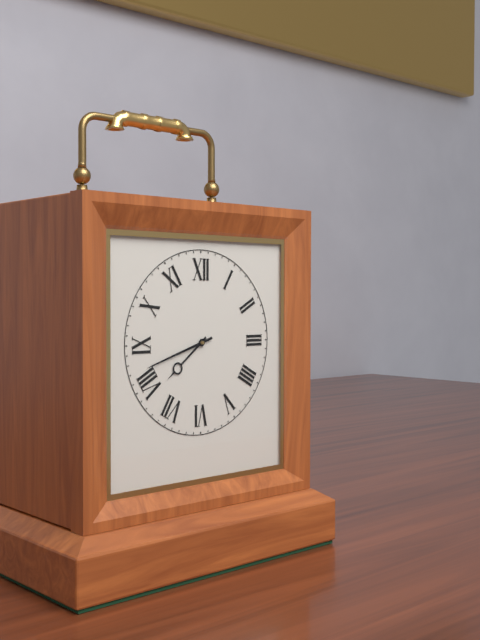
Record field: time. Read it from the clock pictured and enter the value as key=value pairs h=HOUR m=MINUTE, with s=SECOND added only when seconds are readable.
h=7 m=42
